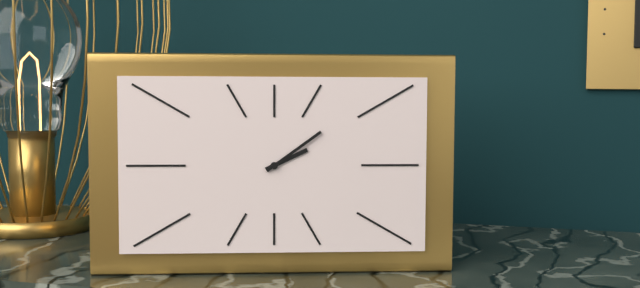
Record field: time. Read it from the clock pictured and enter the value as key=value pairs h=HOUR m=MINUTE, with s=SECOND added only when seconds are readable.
h=2 m=9
